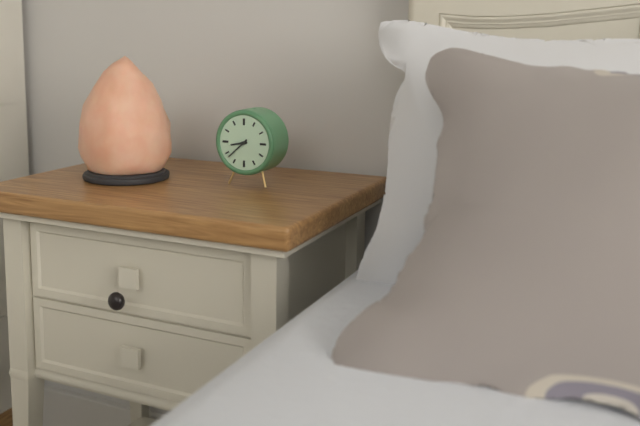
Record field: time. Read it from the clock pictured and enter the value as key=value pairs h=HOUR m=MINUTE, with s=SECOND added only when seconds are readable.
h=8 m=38
